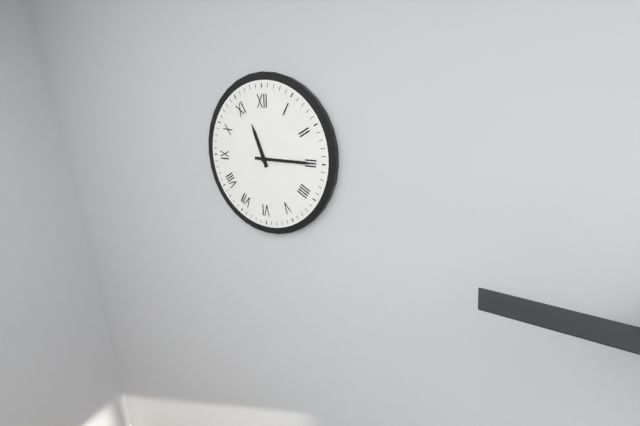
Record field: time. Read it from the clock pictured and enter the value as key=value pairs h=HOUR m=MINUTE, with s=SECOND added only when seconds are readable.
h=11 m=15
